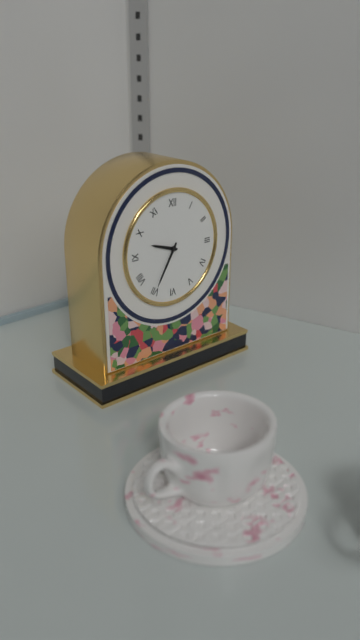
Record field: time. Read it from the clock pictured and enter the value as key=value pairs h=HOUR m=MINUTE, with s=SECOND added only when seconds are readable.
h=9 m=35
